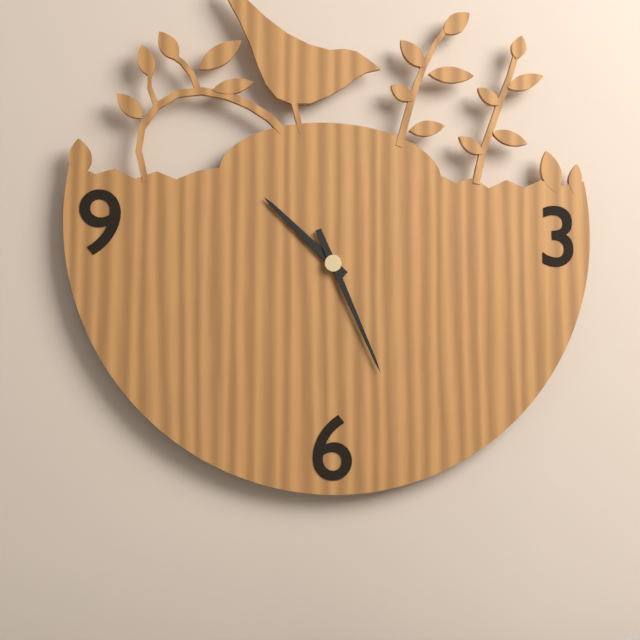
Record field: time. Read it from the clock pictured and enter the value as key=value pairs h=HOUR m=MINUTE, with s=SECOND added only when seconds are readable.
h=10 m=26
